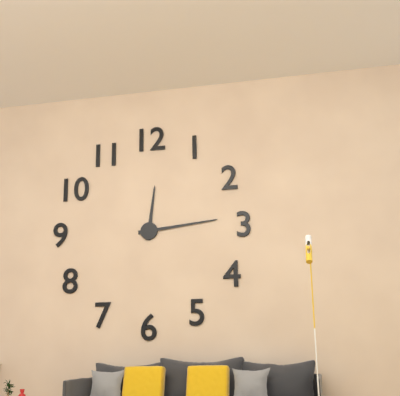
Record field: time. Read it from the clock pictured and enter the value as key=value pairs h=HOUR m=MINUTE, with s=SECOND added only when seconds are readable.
h=12 m=14
